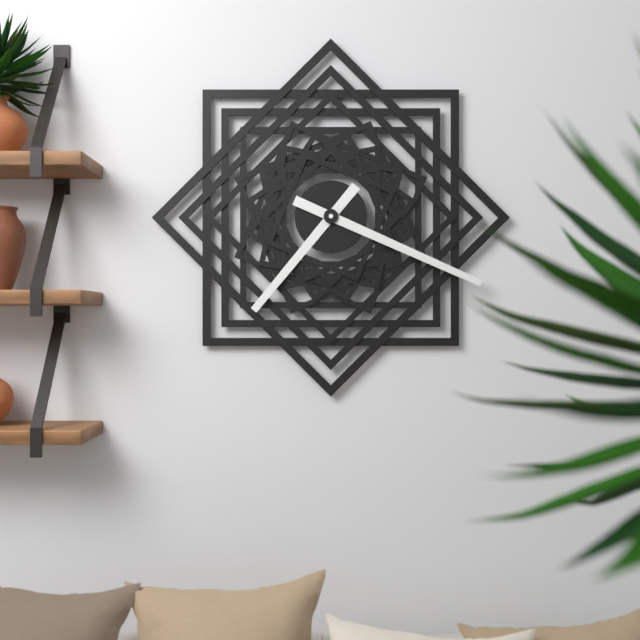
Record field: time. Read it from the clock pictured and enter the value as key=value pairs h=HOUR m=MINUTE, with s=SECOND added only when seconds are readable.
h=7 m=19
